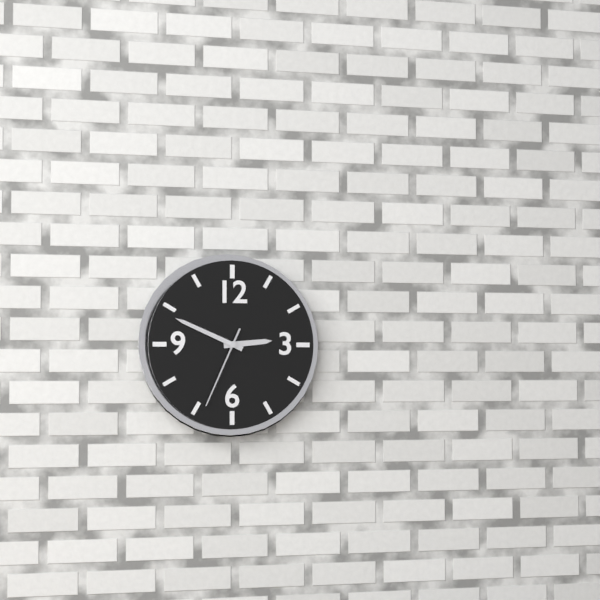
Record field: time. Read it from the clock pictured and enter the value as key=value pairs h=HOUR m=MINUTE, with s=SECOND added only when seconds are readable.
h=2 m=49 s=34
